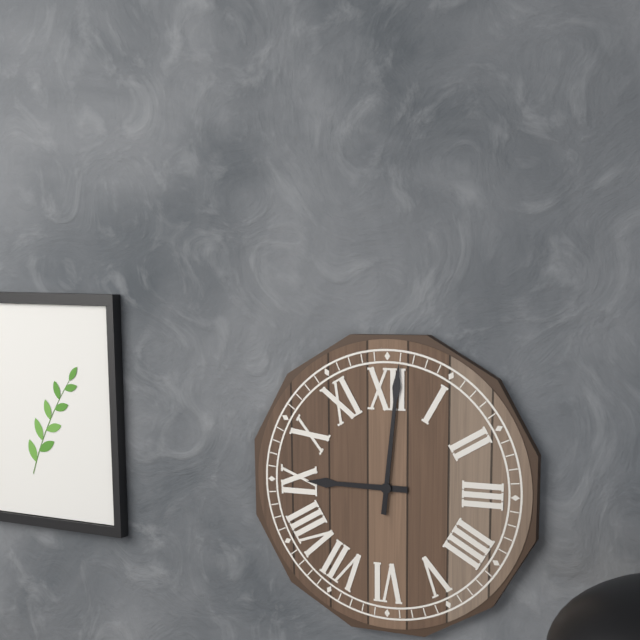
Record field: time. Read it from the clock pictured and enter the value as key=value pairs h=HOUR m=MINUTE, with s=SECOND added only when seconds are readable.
h=9 m=1
